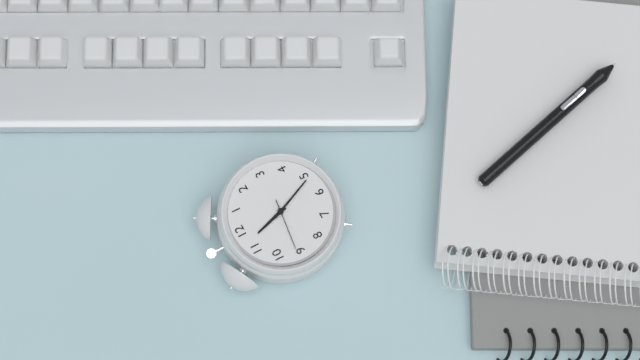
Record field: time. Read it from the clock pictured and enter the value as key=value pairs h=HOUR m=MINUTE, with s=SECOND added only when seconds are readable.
h=11 m=26 s=46
